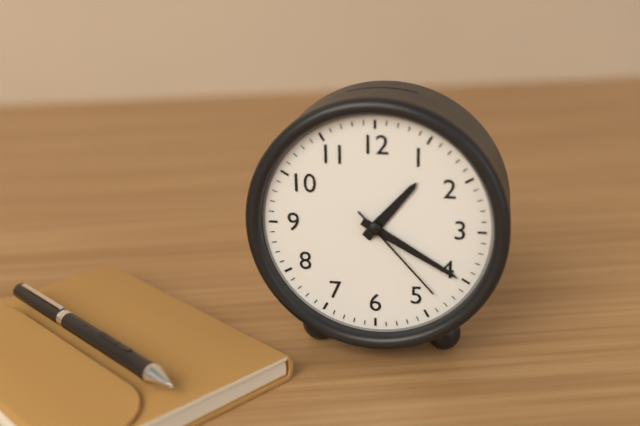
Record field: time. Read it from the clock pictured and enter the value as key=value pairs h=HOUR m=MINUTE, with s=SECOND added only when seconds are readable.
h=1 m=20 s=23
